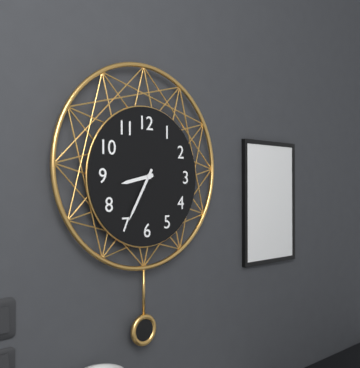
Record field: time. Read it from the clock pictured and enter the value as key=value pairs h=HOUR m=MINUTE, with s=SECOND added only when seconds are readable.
h=8 m=35
